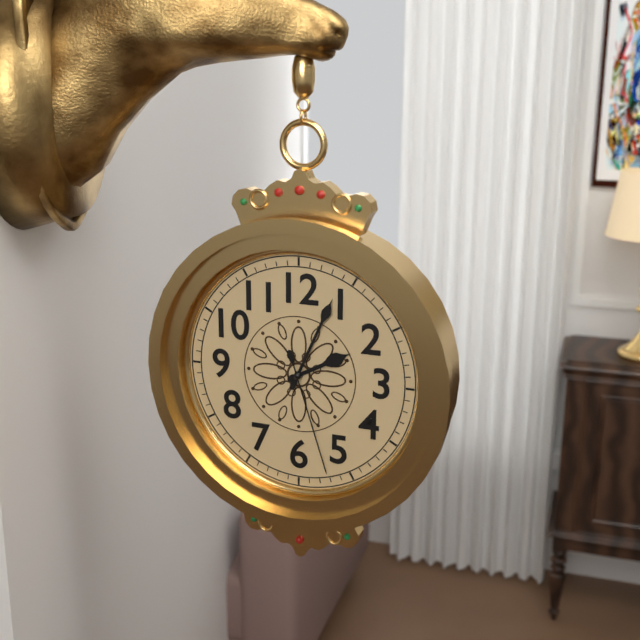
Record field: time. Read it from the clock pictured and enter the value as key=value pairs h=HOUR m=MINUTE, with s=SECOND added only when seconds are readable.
h=2 m=4 s=27
